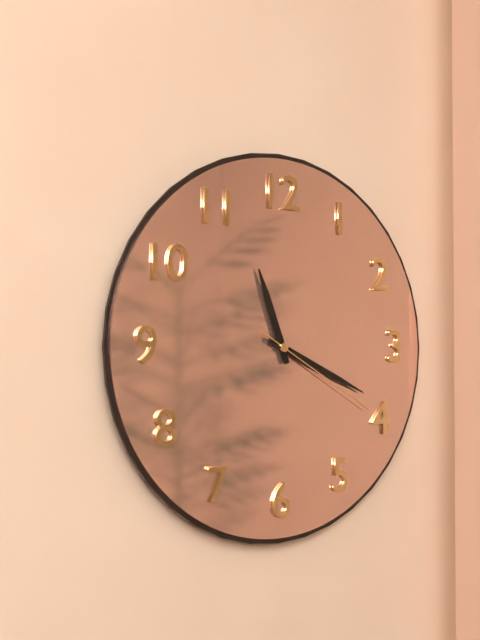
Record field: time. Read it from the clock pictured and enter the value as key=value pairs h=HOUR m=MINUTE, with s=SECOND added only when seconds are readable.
h=11 m=19 s=20
